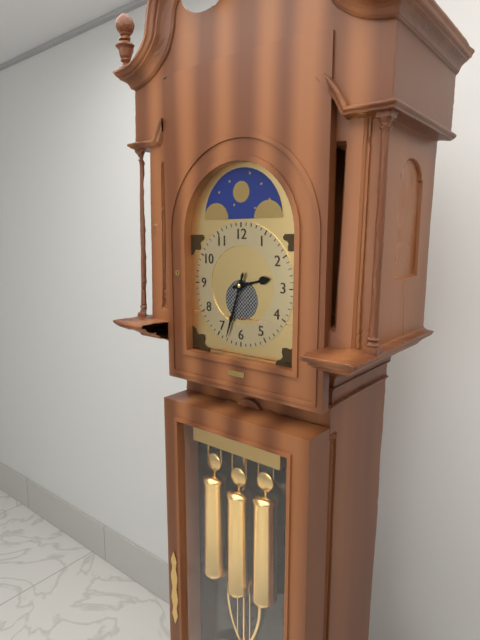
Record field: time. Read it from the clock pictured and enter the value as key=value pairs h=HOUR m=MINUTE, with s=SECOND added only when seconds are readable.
h=2 m=33
